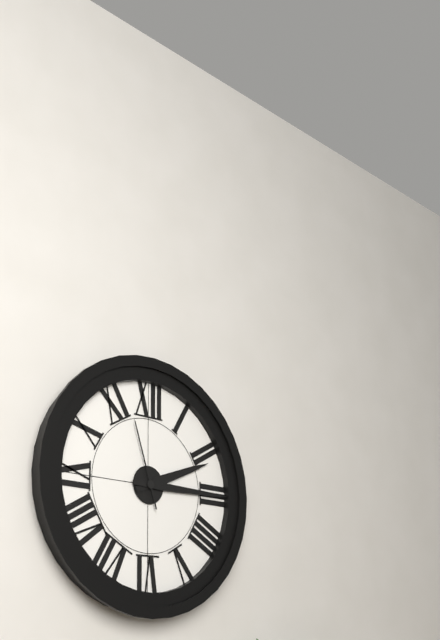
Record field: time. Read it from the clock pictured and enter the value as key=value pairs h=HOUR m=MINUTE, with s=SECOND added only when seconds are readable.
h=2 m=15 s=57
